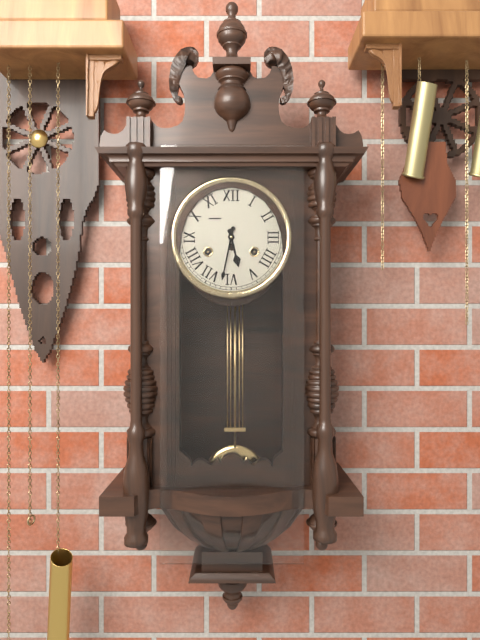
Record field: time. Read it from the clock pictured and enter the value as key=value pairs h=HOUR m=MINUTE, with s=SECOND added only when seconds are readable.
h=5 m=32
